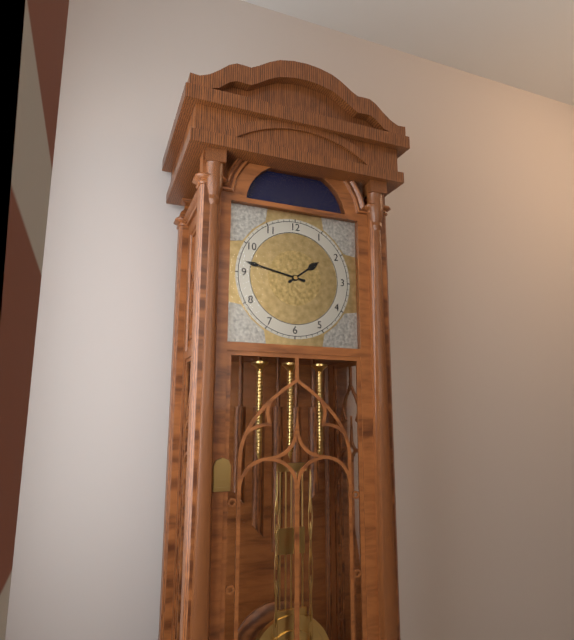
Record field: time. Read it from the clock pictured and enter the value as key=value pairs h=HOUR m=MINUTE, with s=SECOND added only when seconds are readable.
h=1 m=47
